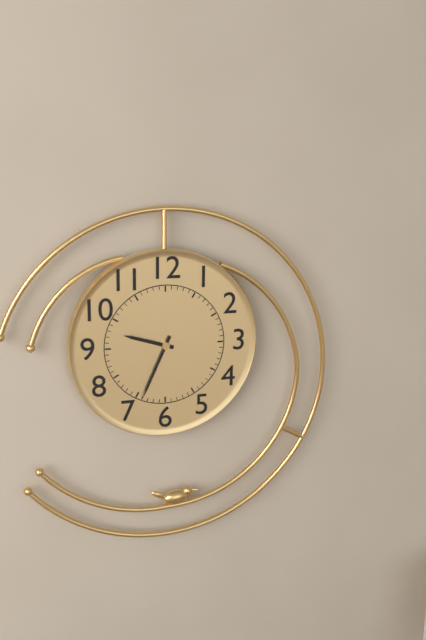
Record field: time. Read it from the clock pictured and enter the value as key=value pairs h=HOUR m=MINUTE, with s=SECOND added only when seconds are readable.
h=9 m=34
